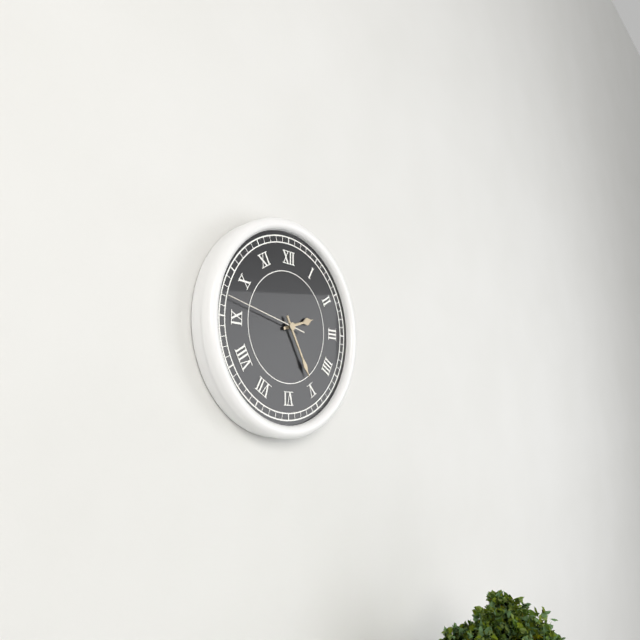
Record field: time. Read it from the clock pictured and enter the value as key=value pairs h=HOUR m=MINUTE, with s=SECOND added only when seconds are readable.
h=2 m=25 s=47
